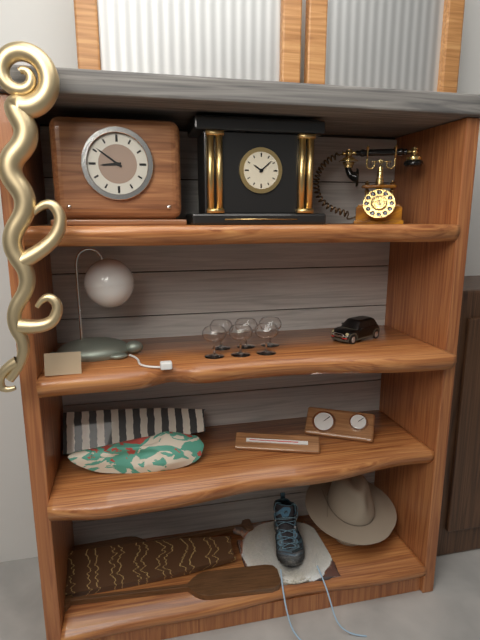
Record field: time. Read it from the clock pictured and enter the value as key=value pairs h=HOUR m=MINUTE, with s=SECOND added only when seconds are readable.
h=8 m=51
